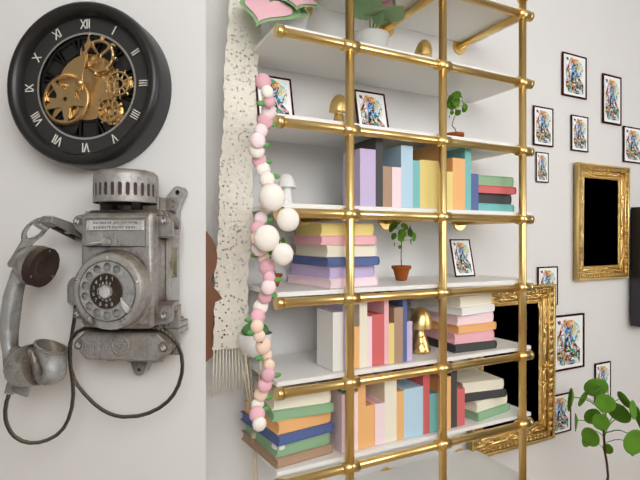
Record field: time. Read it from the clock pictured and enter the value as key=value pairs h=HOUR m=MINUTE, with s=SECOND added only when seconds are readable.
h=12 m=2
